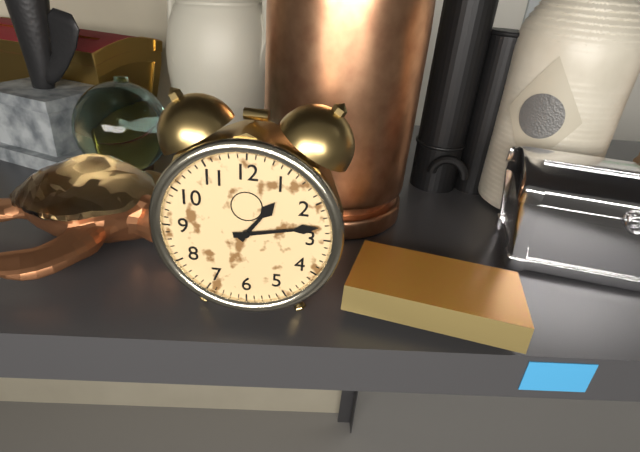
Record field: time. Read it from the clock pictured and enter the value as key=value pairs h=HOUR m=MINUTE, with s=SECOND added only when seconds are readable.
h=1 m=13
